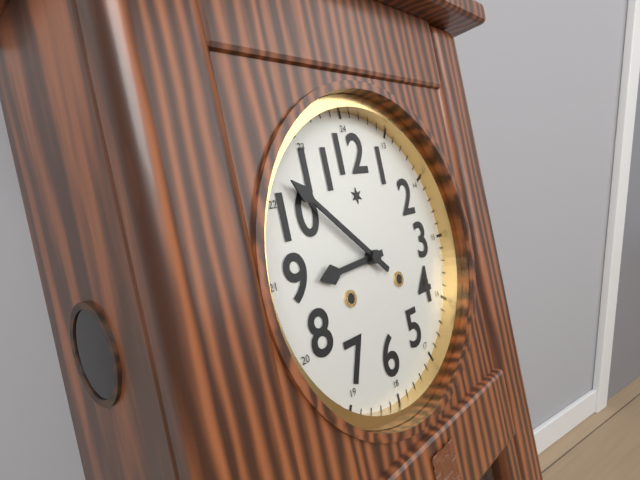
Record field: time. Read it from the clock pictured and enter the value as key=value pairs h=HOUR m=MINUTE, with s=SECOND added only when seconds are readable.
h=8 m=52
